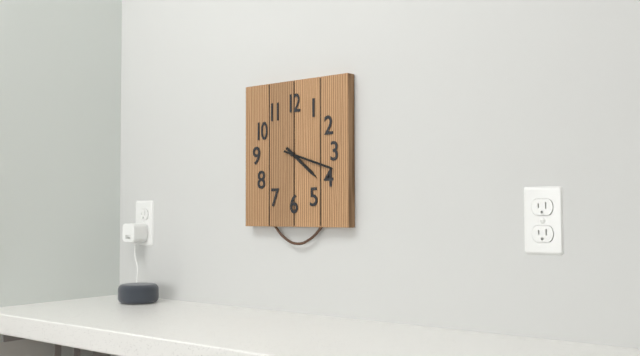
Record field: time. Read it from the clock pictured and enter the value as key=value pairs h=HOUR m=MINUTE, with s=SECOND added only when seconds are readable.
h=4 m=18
